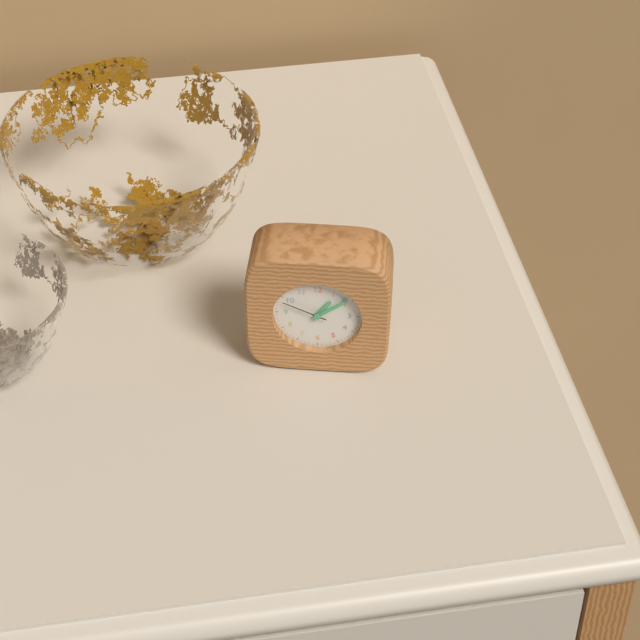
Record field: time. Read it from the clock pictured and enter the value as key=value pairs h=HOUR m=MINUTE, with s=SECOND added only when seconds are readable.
h=1 m=9
